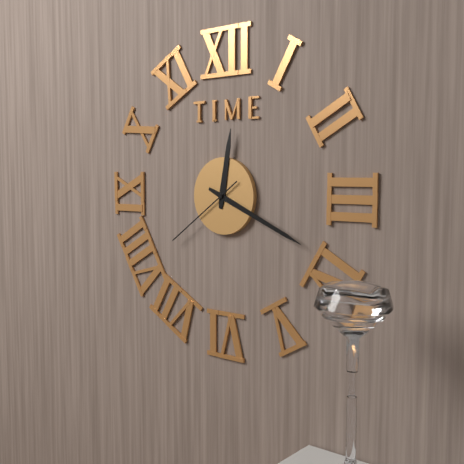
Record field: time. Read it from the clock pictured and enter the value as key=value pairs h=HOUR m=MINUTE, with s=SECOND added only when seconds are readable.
h=12 m=19 s=39
